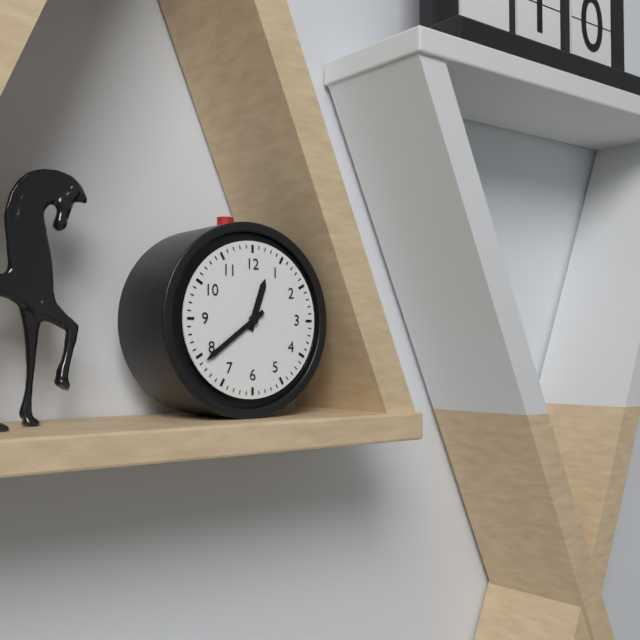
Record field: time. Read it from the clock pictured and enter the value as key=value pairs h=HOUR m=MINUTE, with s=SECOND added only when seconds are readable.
h=12 m=39
